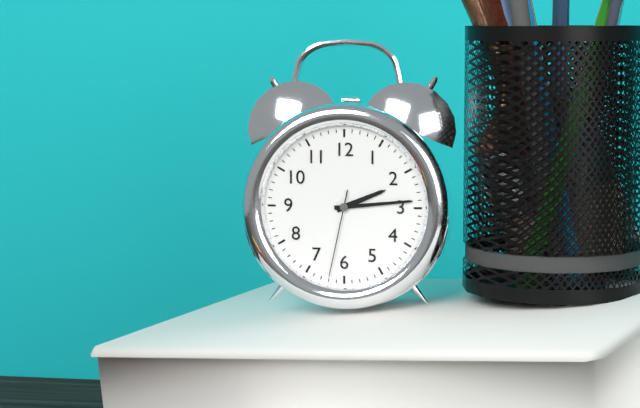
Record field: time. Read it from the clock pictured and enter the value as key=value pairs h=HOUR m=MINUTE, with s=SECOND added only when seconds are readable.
h=2 m=14 s=32
